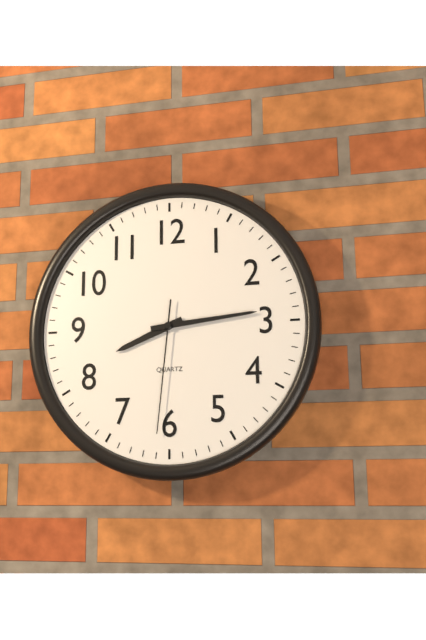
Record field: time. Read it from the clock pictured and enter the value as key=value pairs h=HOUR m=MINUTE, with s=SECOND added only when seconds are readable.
h=8 m=14 s=31
